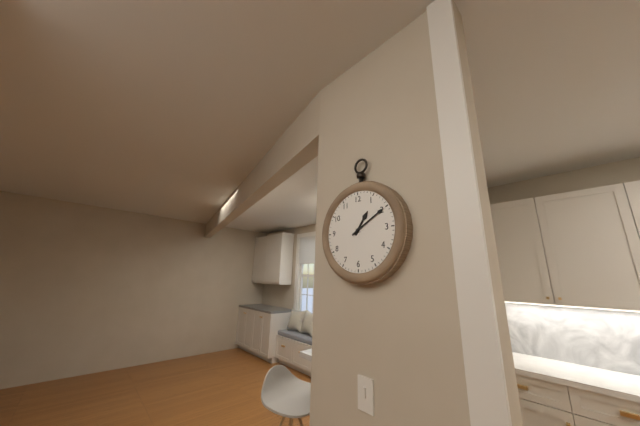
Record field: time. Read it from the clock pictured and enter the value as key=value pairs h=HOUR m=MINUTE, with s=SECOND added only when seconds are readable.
h=1 m=10
